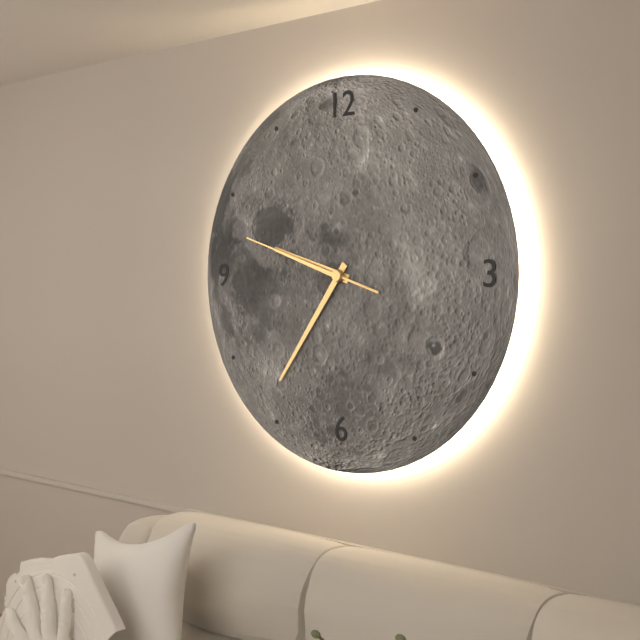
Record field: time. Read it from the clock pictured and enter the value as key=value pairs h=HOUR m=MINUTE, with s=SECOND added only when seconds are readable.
h=9 m=36 s=48
